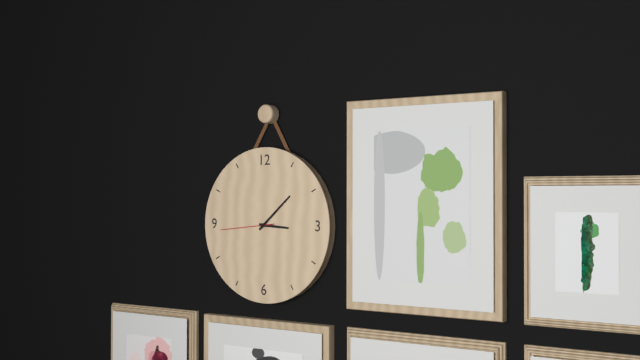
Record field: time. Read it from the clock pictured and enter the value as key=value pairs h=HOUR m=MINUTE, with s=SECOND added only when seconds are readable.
h=3 m=8 s=44
